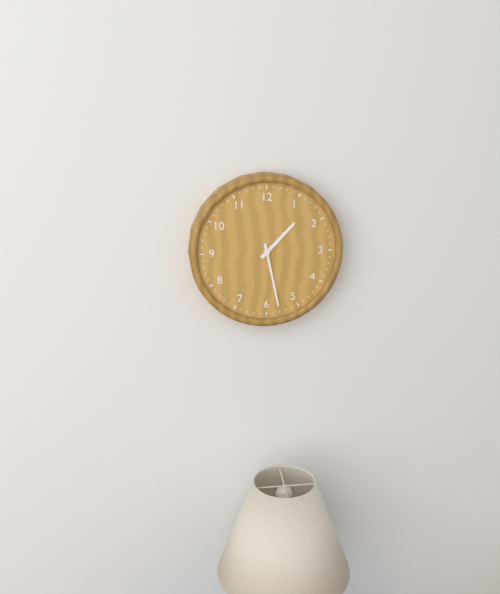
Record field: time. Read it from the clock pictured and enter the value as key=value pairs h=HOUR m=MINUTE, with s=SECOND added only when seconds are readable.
h=1 m=28
